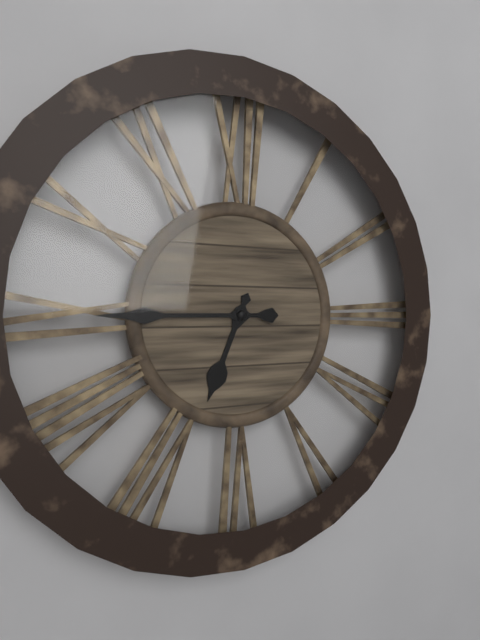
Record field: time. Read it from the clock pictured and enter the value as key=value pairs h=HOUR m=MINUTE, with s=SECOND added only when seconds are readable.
h=6 m=45
